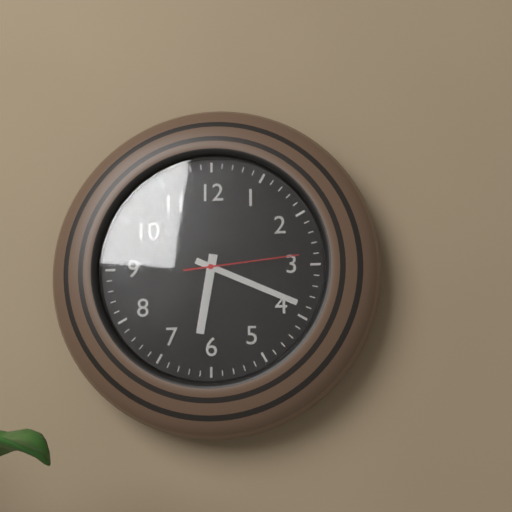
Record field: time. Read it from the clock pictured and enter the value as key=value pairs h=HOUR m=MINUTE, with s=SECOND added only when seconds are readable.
h=6 m=19 s=14
